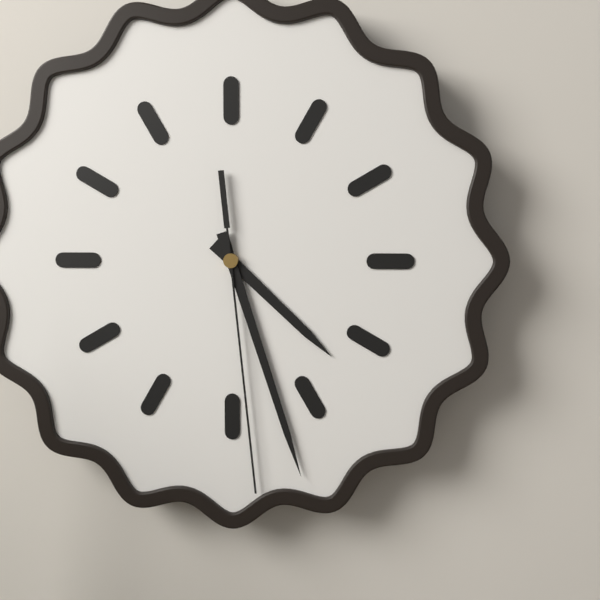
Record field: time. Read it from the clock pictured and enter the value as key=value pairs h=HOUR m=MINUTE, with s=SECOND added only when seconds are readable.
h=4 m=27 s=29
